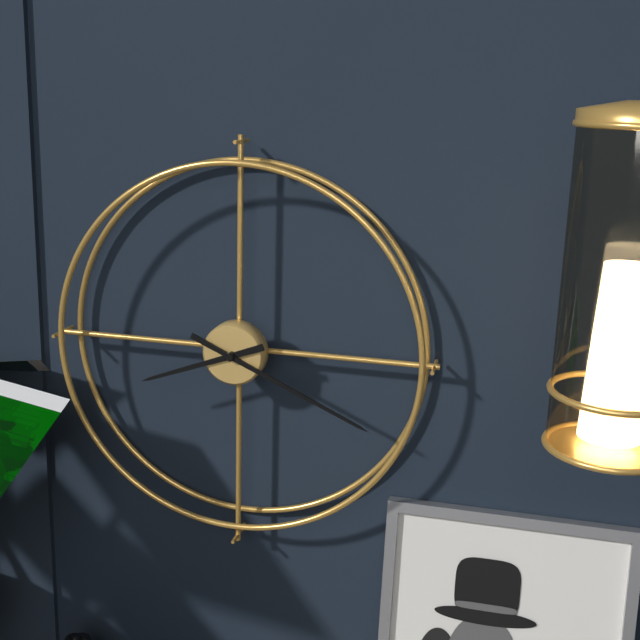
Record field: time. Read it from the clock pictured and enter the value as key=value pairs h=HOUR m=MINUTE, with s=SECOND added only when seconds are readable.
h=8 m=19
